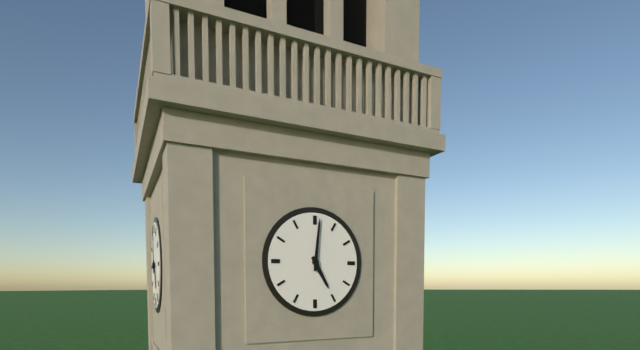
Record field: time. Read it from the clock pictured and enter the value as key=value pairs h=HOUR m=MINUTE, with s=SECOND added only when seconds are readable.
h=5 m=1
